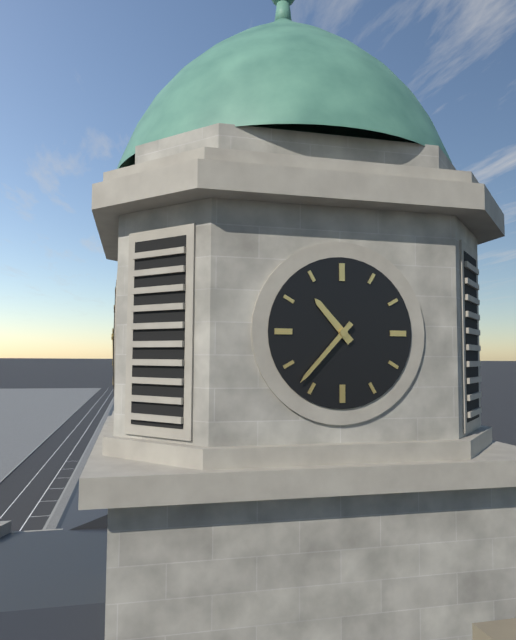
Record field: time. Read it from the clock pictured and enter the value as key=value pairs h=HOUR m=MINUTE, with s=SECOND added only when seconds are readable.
h=10 m=37
